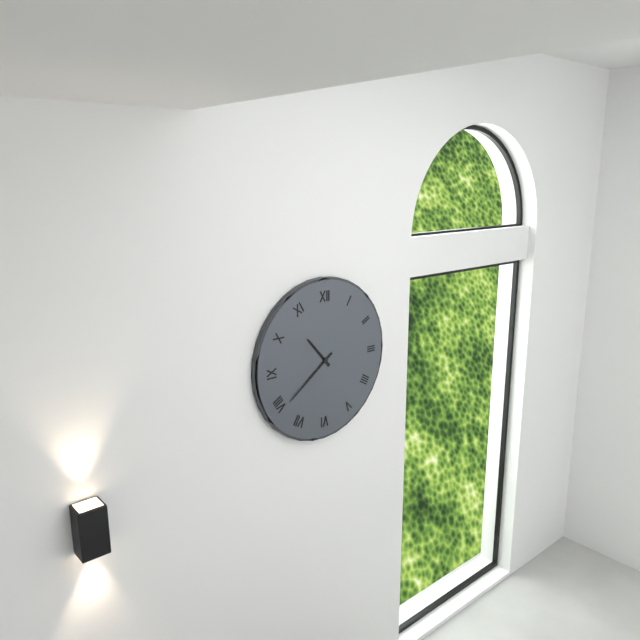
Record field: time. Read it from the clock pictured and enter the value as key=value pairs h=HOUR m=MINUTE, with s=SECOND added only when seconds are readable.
h=10 m=39
